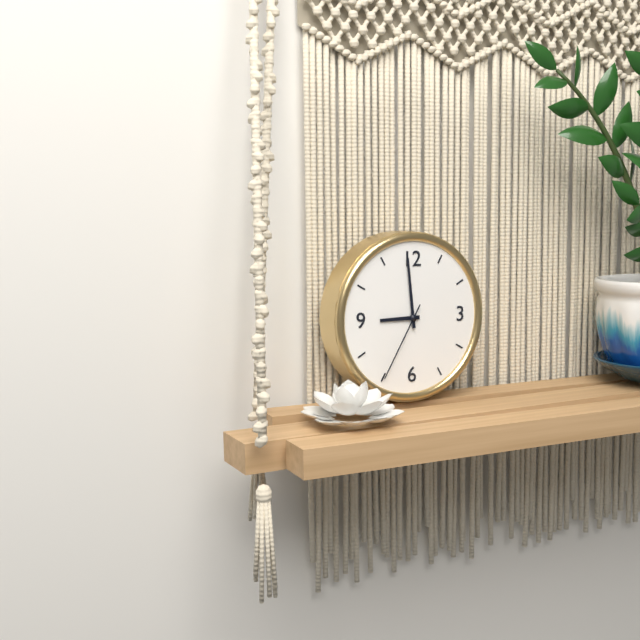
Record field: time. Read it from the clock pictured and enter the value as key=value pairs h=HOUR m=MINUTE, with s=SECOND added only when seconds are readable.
h=8 m=59 s=35
